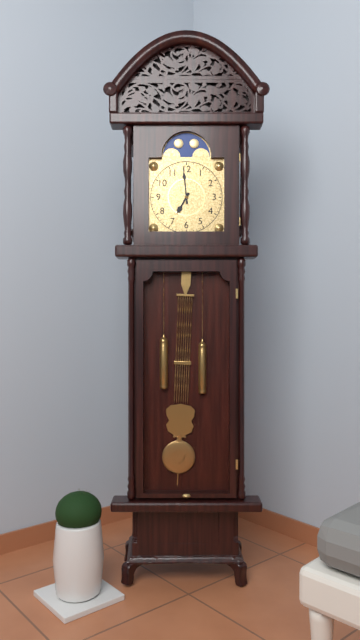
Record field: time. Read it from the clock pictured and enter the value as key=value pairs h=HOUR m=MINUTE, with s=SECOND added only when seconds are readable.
h=6 m=59
